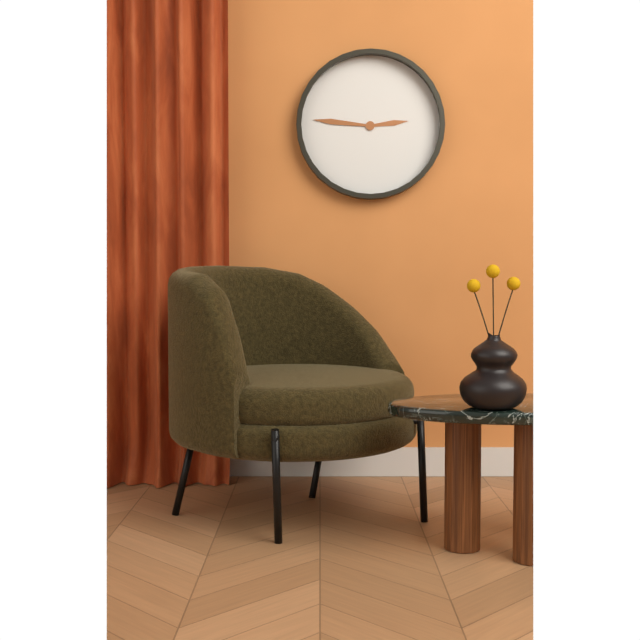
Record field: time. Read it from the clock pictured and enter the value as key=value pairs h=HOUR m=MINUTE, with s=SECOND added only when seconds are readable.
h=2 m=46
